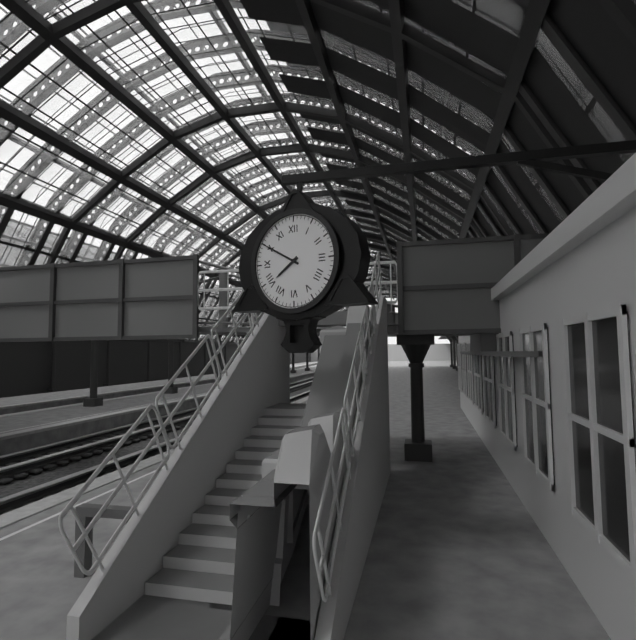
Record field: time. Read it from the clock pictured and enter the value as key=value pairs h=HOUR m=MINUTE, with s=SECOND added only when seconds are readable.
h=7 m=50
